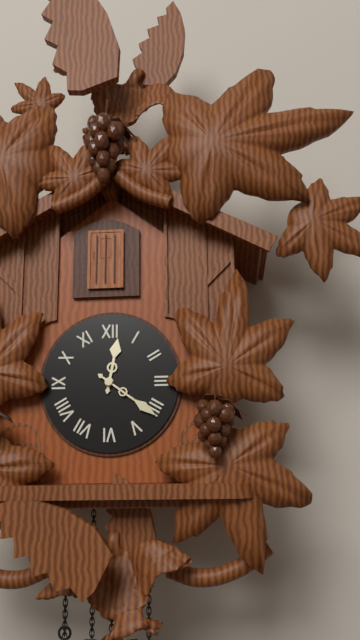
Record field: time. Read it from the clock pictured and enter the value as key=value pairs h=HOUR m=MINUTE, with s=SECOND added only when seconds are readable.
h=12 m=21
